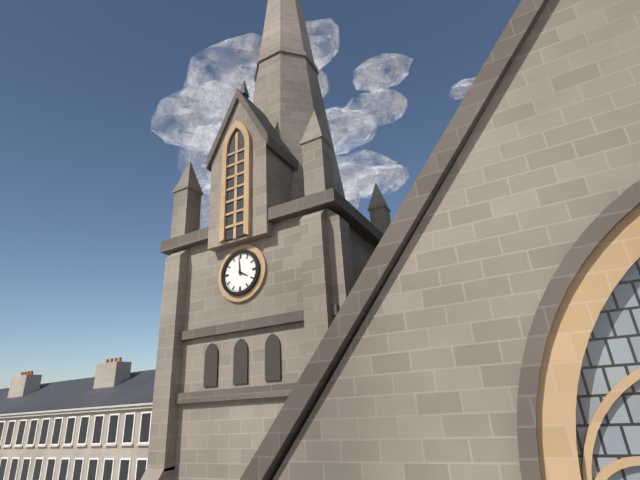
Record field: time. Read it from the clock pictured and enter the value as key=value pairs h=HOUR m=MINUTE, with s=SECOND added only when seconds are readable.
h=3 m=59
